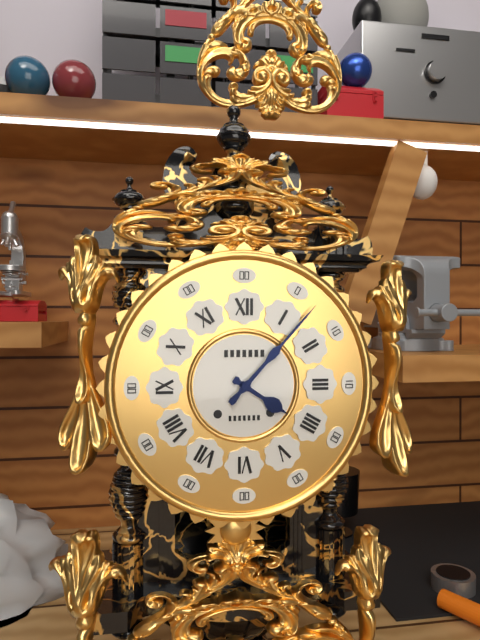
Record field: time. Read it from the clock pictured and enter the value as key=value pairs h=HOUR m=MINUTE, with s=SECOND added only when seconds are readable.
h=4 m=7
